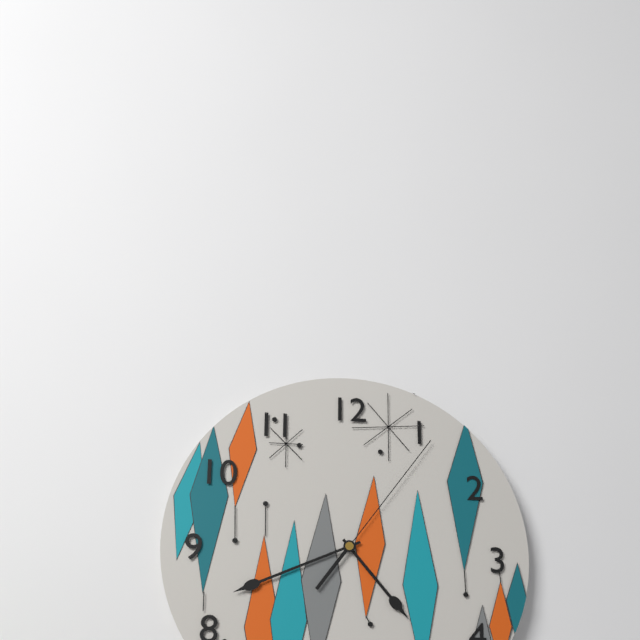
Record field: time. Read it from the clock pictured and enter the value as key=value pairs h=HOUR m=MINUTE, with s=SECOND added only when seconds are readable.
h=4 m=41 s=6
